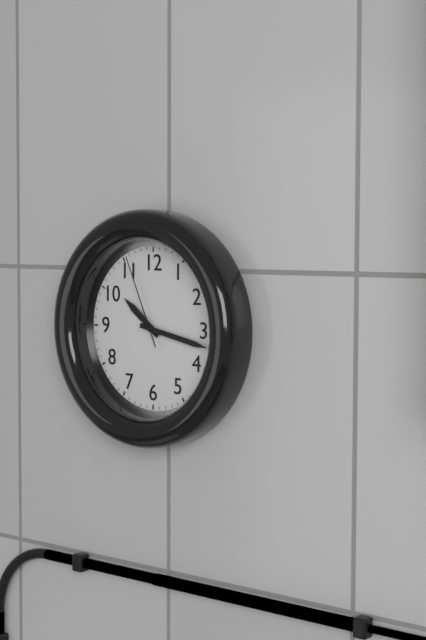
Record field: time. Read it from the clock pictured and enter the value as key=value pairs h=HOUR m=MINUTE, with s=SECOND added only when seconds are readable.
h=10 m=17 s=56
